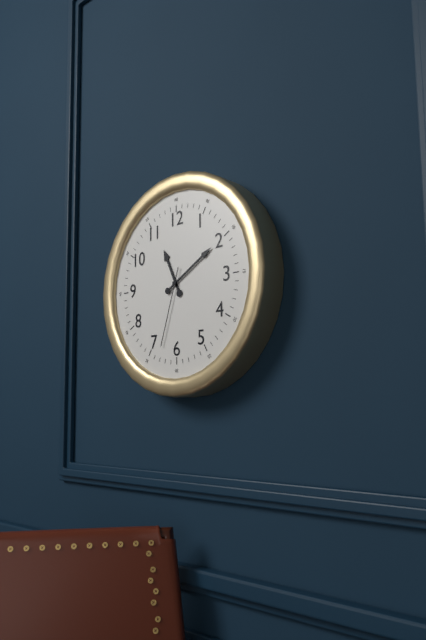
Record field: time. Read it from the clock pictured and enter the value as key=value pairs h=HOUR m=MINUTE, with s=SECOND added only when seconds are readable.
h=11 m=10 s=33
